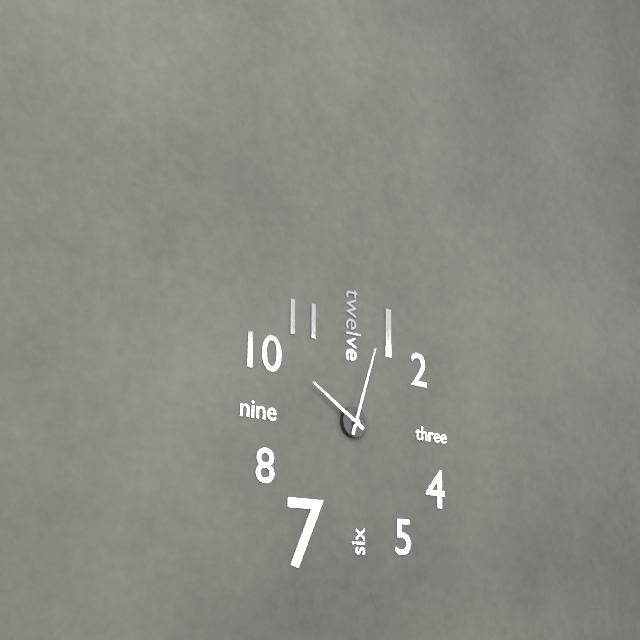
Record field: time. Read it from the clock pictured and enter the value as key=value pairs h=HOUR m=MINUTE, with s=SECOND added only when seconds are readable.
h=10 m=3
